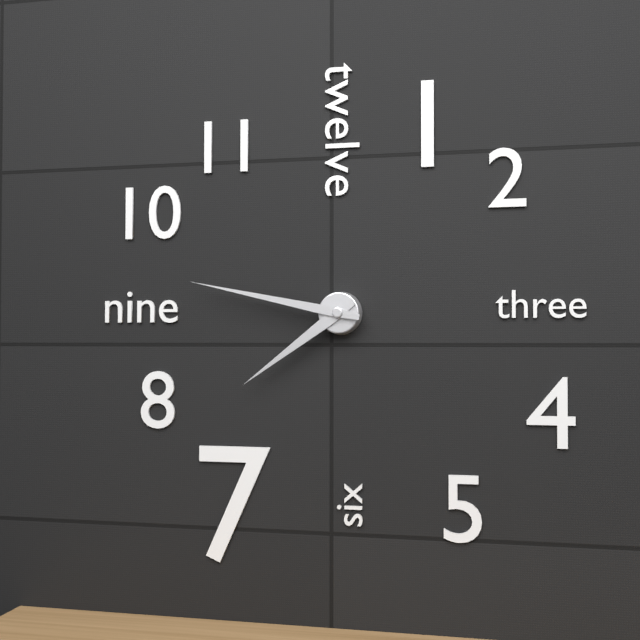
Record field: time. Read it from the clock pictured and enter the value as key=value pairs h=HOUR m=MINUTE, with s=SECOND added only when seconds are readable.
h=7 m=47
